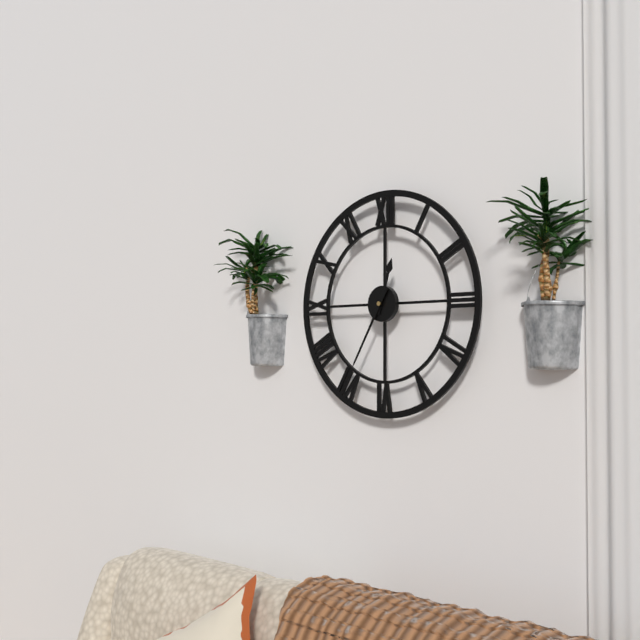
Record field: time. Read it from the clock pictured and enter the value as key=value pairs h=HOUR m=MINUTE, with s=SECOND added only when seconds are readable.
h=12 m=35
